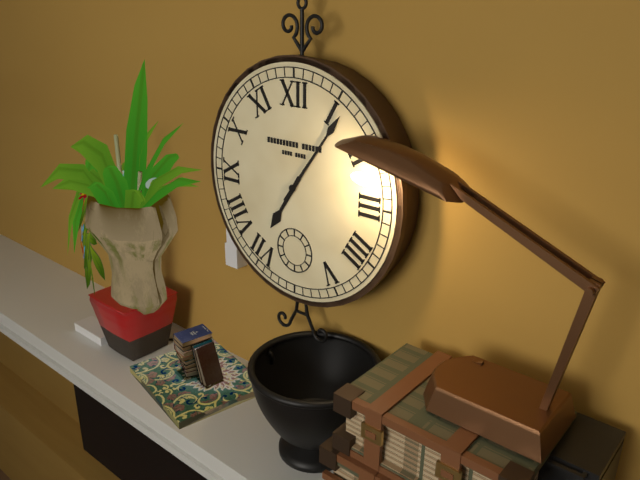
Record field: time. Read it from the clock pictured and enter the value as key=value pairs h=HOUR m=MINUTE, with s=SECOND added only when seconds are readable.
h=7 m=6
